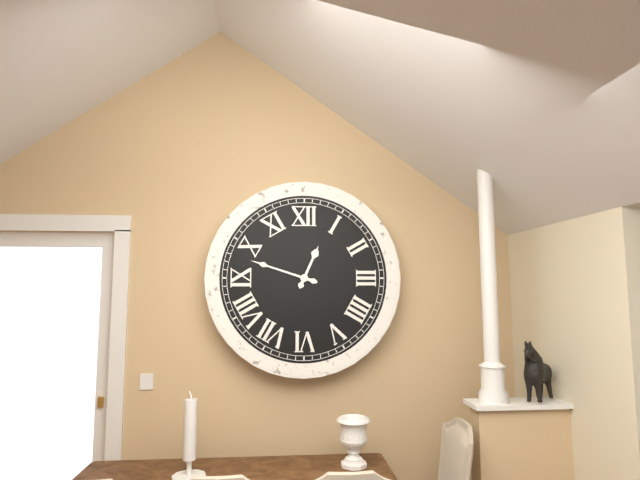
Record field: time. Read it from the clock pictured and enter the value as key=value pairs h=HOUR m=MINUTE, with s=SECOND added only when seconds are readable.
h=12 m=48
